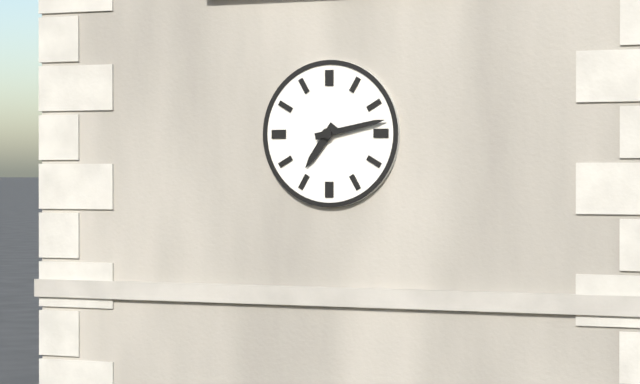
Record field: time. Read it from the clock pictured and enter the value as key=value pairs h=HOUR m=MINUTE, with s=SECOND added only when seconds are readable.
h=7 m=13
